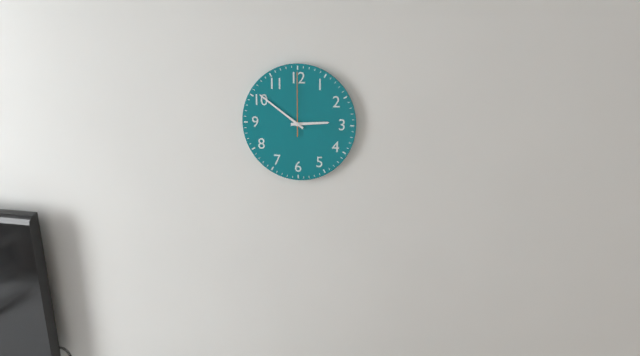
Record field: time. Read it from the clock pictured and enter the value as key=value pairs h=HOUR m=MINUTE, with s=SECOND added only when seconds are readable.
h=2 m=51 s=0
